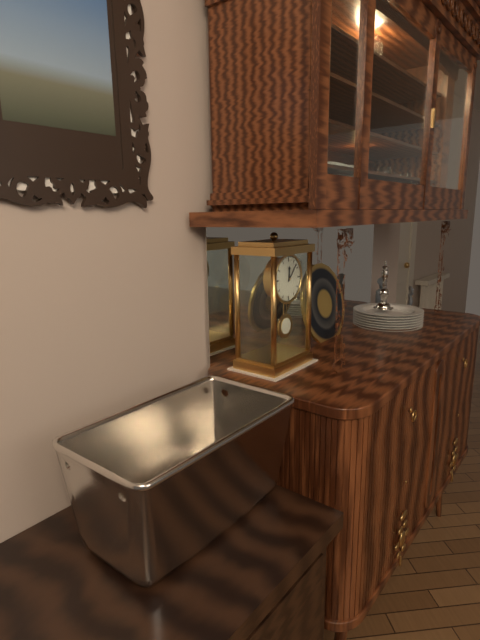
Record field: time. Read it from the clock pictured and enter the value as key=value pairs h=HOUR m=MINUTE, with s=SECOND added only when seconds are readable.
h=12 m=7
